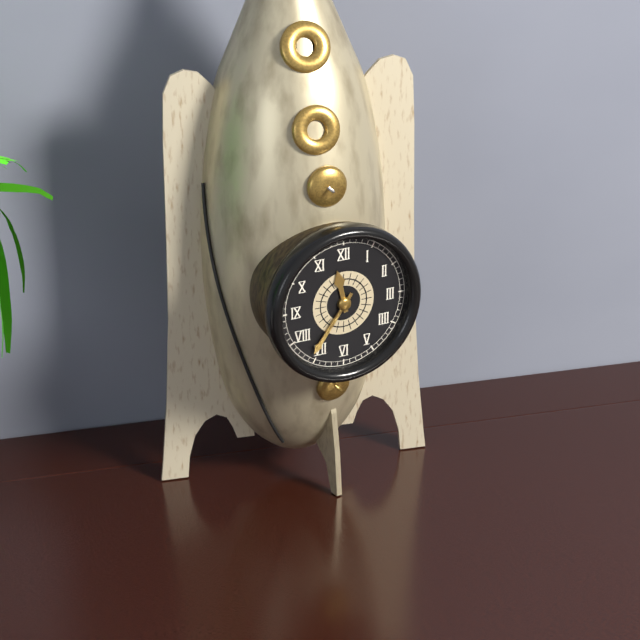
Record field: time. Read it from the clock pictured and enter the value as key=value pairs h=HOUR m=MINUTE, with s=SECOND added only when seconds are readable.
h=11 m=36
